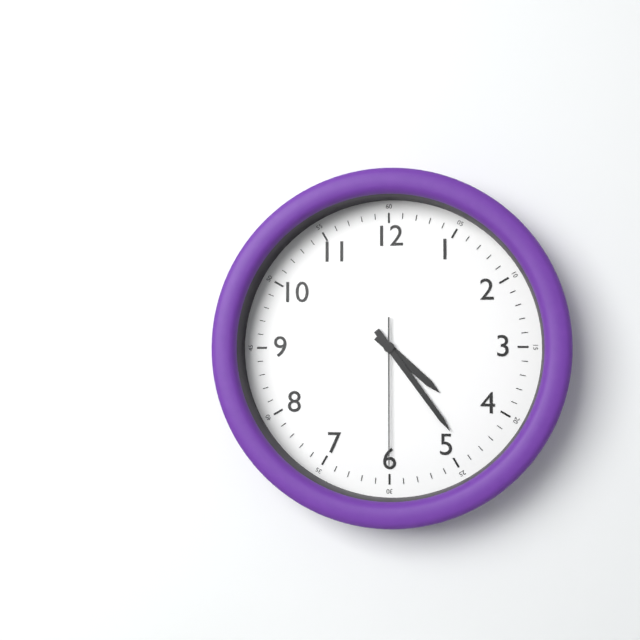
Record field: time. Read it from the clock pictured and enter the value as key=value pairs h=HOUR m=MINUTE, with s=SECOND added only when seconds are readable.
h=4 m=24 s=30
